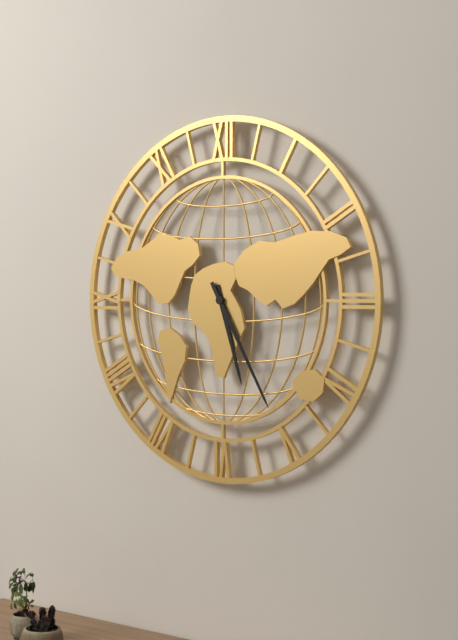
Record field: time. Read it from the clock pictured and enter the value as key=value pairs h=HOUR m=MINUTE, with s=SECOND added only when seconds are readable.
h=5 m=25
